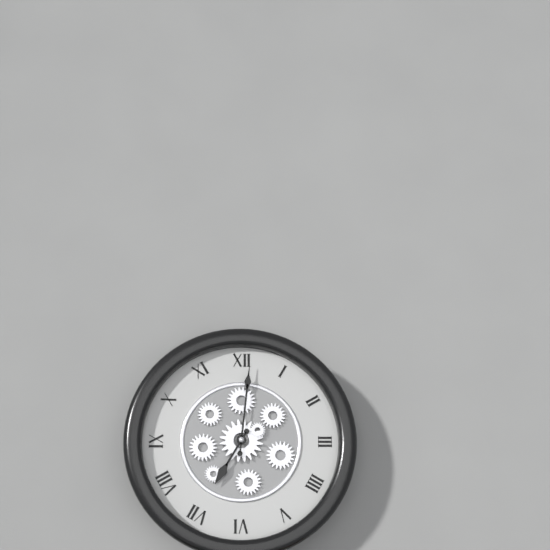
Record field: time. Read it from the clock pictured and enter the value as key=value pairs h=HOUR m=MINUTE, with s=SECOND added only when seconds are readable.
h=7 m=1
